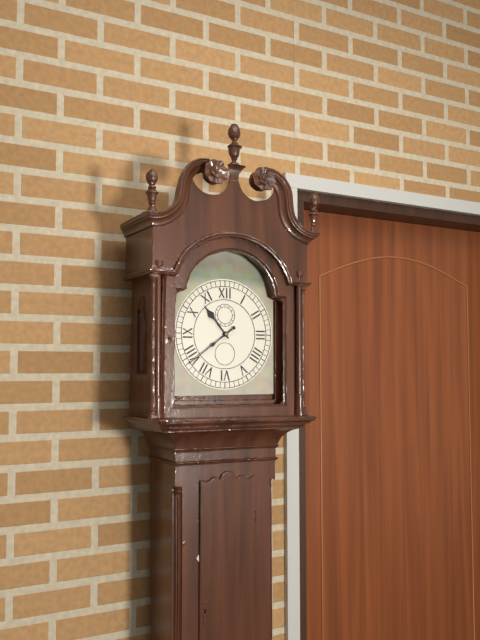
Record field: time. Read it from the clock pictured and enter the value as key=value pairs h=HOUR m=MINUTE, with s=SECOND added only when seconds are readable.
h=10 m=39
